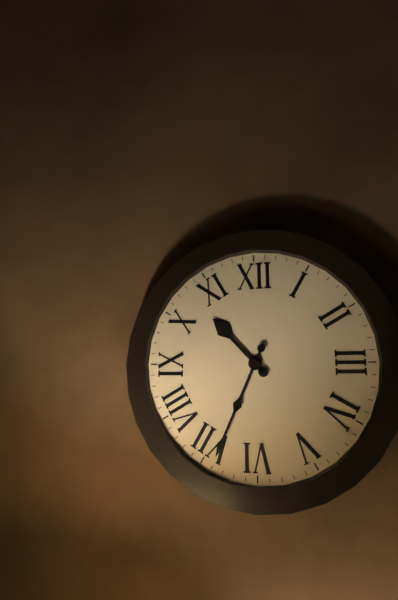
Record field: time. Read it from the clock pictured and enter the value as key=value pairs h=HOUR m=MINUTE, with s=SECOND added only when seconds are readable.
h=10 m=34
